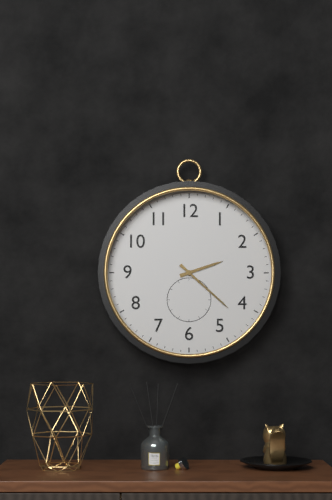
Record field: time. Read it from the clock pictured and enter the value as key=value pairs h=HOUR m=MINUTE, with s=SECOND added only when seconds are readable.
h=2 m=22
